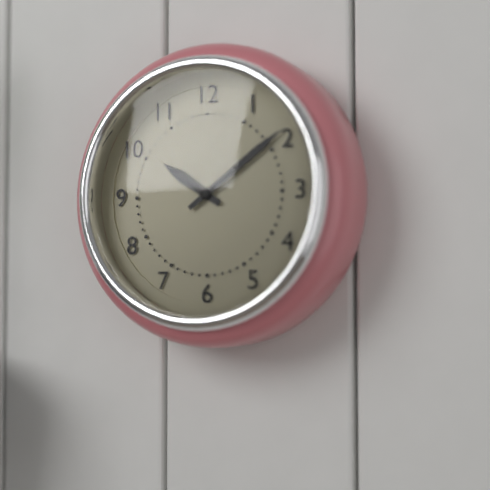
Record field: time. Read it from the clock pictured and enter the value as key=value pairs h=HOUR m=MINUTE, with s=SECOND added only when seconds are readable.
h=10 m=9
